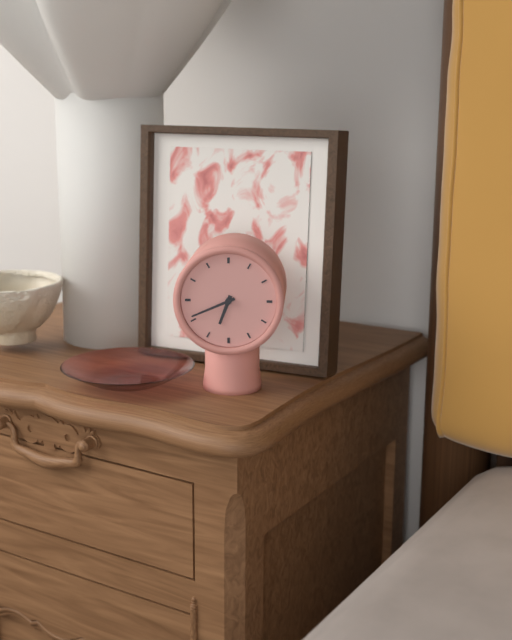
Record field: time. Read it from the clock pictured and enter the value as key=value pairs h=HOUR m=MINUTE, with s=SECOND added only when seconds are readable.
h=6 m=41
